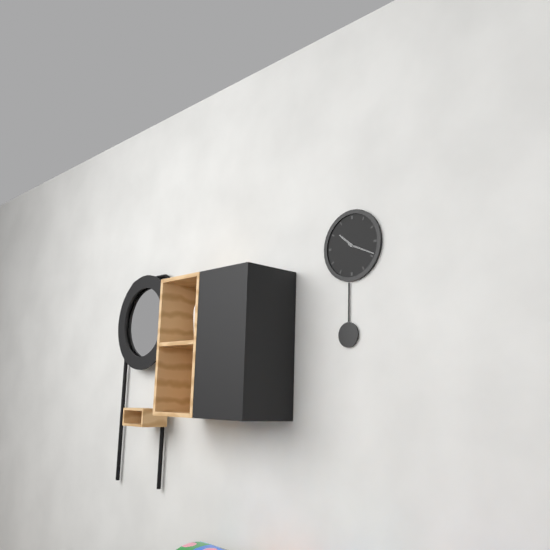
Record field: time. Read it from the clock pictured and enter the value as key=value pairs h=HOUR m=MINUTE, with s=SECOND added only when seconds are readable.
h=10 m=19
